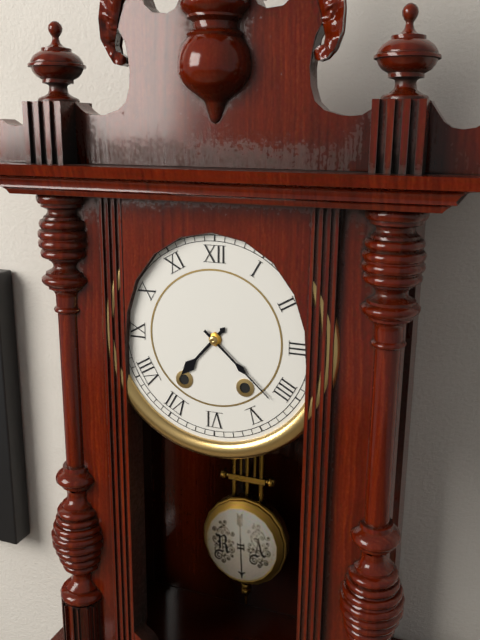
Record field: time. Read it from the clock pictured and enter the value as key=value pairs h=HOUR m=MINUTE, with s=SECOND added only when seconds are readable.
h=7 m=22
